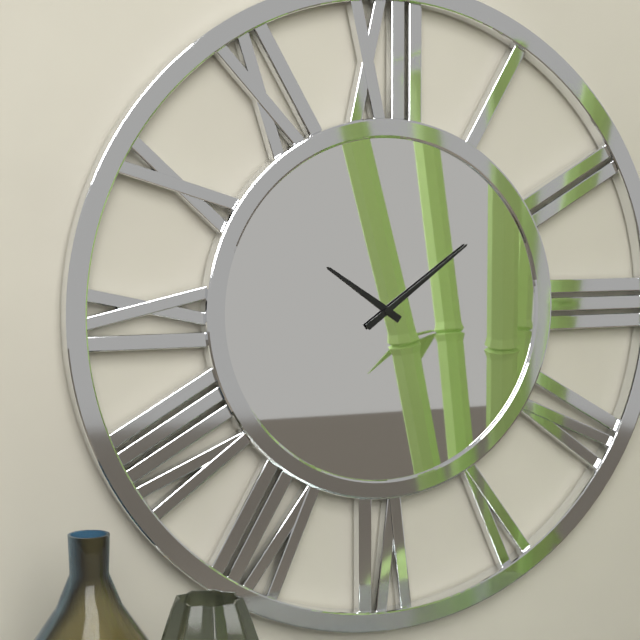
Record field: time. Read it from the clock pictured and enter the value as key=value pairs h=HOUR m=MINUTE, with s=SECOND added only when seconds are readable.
h=10 m=9
